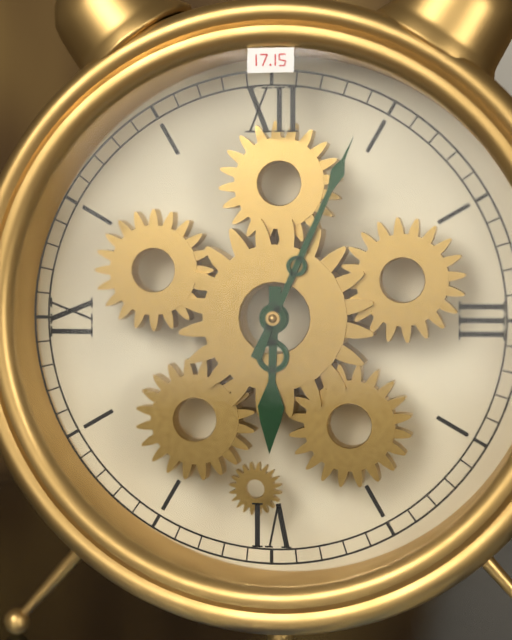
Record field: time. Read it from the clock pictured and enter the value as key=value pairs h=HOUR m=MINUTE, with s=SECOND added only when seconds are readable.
h=6 m=4
